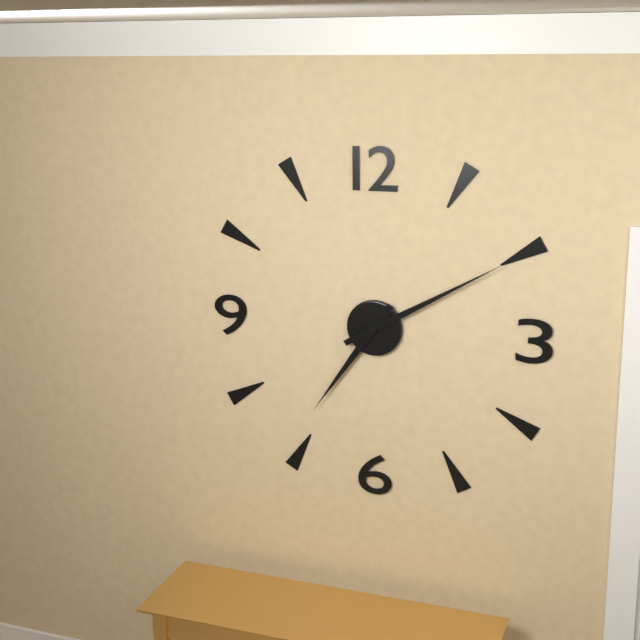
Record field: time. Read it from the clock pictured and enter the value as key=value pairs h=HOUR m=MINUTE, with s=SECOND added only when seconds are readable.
h=7 m=10
